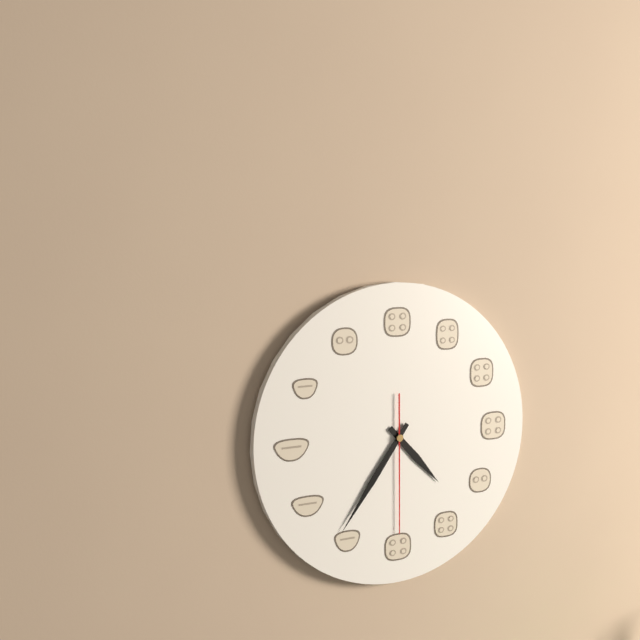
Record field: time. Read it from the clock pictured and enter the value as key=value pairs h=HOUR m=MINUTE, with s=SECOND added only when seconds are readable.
h=4 m=36 s=30
